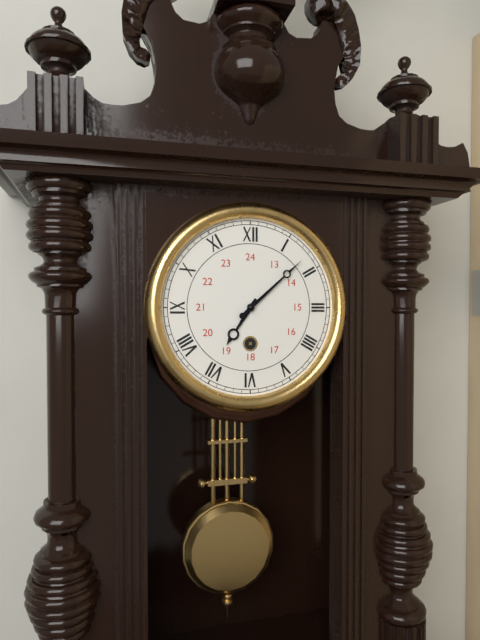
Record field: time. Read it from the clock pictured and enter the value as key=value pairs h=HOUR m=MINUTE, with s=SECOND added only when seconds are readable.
h=7 m=8
